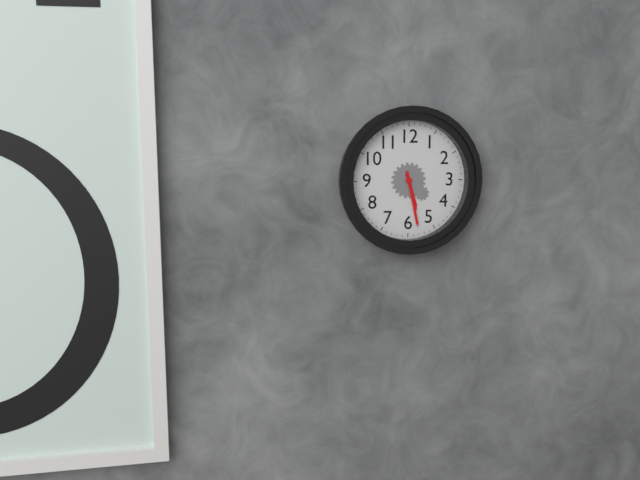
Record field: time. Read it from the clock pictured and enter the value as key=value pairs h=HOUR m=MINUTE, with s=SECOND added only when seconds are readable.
h=5 m=28
